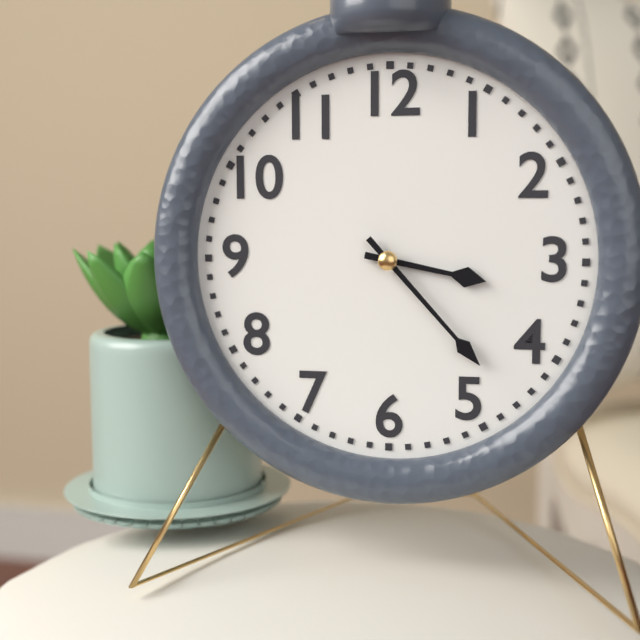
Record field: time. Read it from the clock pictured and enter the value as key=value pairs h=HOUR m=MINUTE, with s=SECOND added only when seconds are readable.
h=3 m=23
